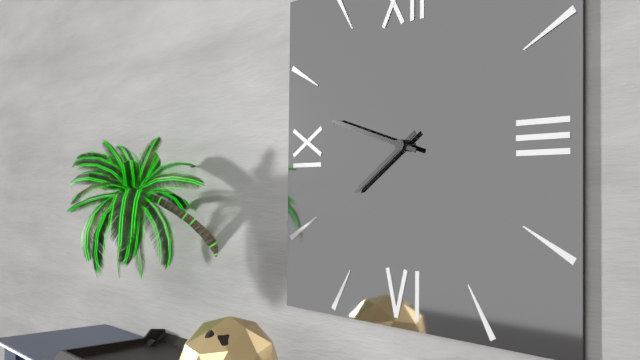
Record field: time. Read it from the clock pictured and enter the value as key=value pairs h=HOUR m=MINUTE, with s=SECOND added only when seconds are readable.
h=7 m=48
